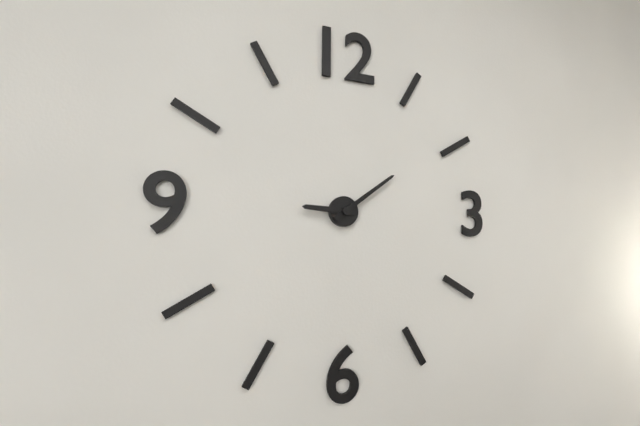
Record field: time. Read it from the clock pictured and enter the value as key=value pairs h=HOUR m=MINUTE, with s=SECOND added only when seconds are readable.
h=9 m=9
